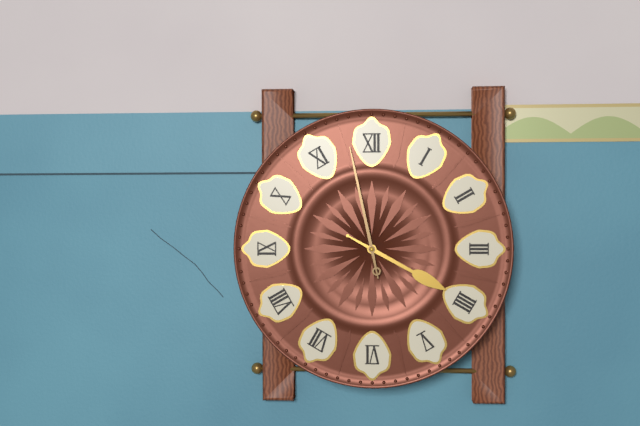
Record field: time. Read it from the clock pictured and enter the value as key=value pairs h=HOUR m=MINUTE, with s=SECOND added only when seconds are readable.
h=3 m=58
